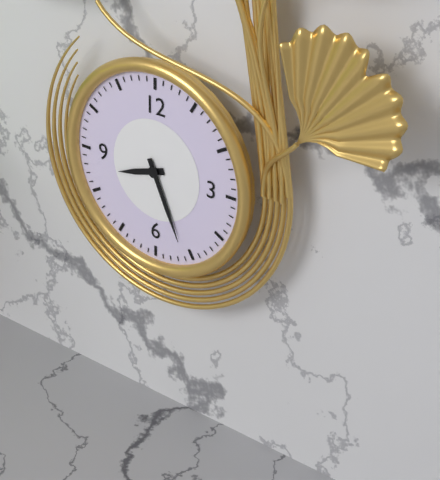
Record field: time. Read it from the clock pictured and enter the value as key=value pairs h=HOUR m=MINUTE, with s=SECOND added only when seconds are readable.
h=8 m=26
